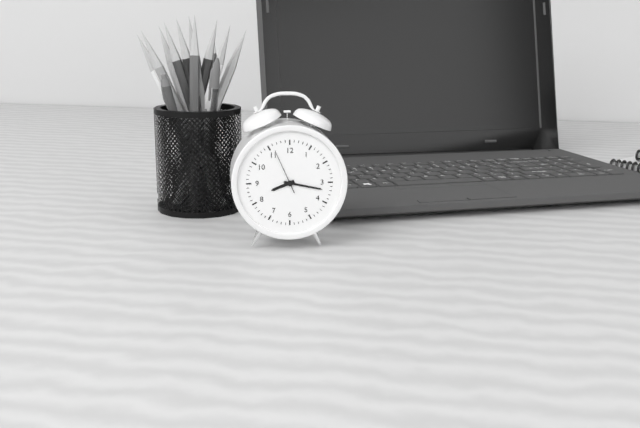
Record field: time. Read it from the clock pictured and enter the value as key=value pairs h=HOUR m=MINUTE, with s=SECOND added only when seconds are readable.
h=8 m=17
